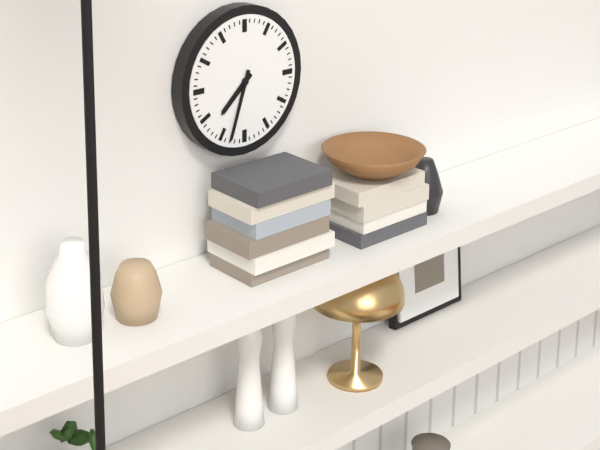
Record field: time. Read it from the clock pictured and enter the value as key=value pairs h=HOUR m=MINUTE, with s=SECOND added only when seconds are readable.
h=7 m=33
